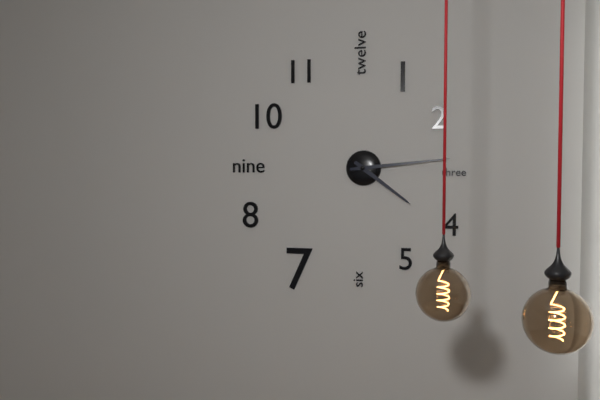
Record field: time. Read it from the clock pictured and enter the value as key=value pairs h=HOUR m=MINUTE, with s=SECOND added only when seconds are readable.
h=4 m=14
